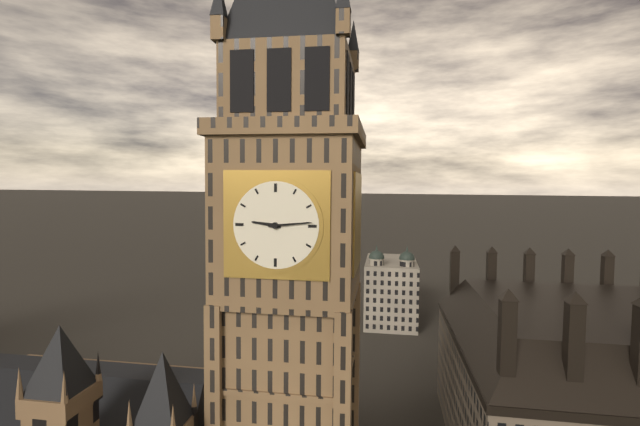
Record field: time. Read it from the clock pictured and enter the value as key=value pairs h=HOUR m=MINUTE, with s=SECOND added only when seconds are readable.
h=9 m=14
